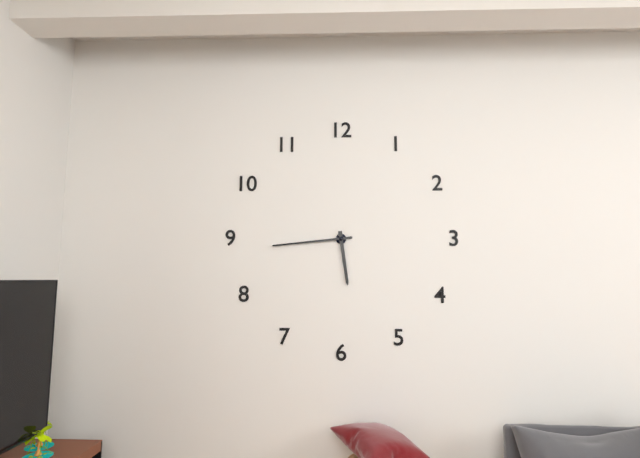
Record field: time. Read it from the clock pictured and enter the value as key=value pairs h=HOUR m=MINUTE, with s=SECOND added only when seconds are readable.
h=5 m=44
